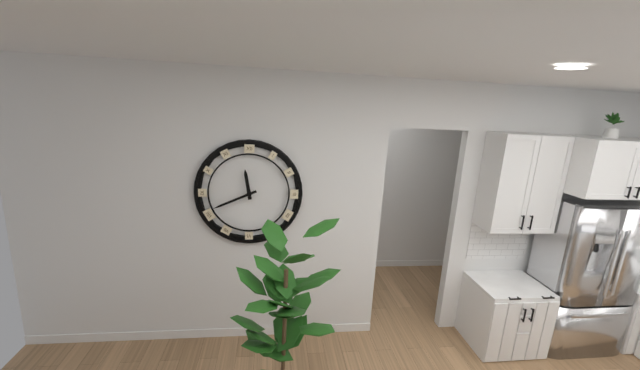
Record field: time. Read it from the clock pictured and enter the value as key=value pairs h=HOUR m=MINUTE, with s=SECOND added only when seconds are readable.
h=11 m=41
